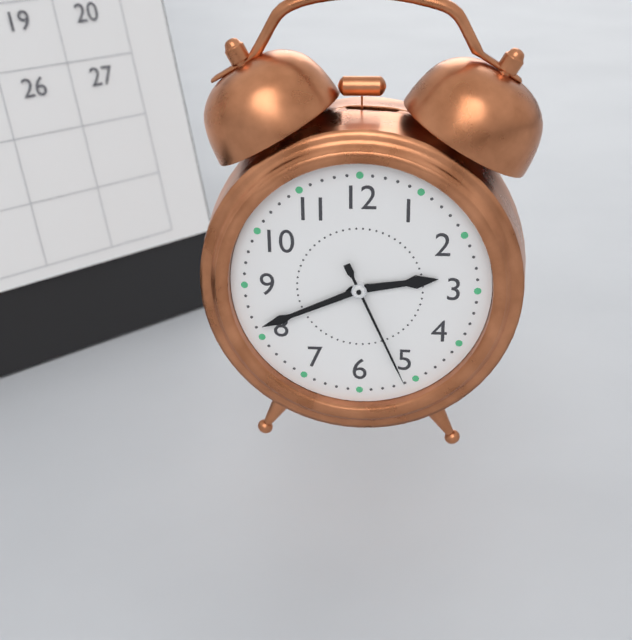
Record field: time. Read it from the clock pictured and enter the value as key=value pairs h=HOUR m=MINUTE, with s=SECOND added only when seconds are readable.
h=2 m=41 s=26
